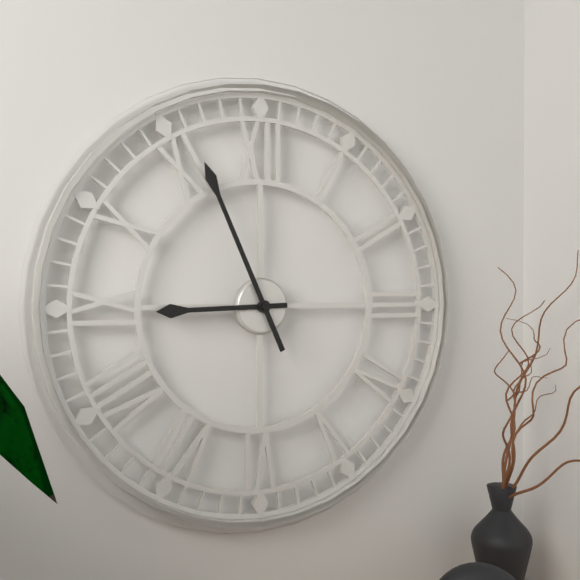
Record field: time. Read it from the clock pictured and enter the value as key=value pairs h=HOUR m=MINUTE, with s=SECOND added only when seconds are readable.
h=8 m=56
